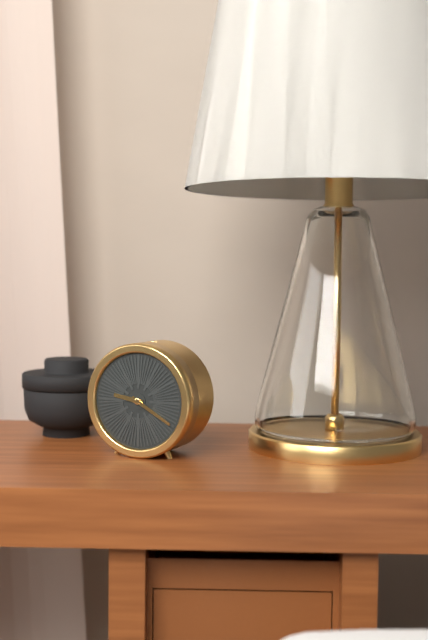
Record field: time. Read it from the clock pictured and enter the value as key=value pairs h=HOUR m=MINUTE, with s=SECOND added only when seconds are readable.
h=9 m=20
